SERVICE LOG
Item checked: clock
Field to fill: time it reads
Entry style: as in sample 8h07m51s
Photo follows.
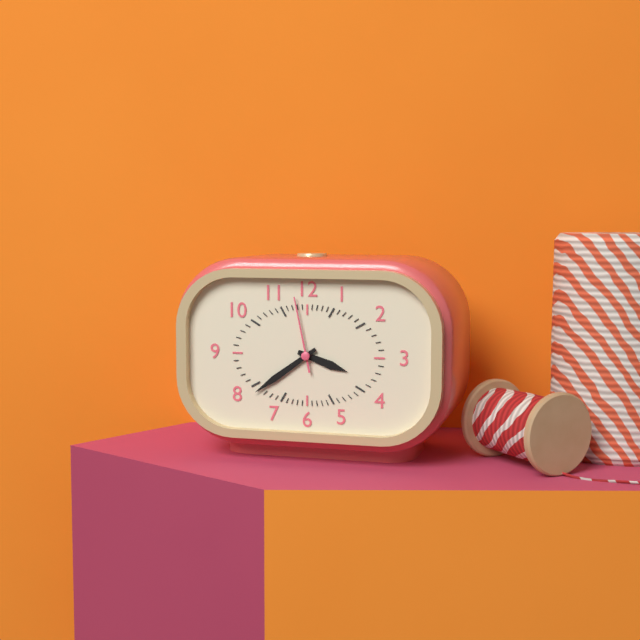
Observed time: 3h39m58s
